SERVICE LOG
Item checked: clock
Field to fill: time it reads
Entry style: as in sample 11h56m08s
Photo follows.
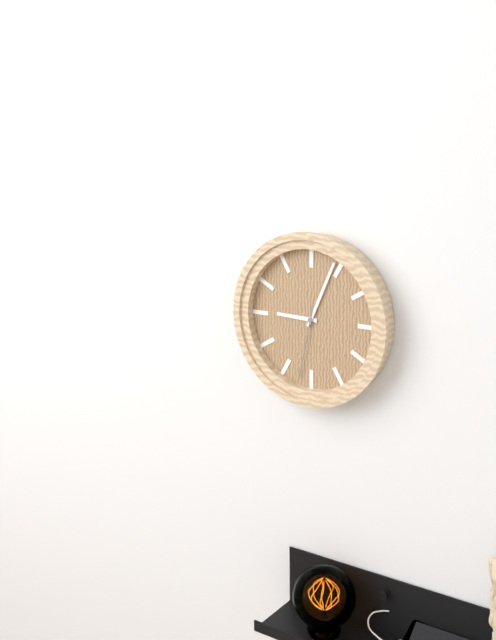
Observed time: 9h04m32s
